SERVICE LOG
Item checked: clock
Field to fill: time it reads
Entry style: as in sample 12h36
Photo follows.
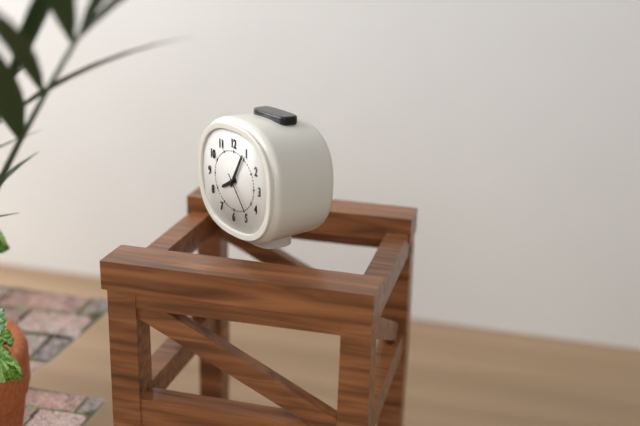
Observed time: 8h05
